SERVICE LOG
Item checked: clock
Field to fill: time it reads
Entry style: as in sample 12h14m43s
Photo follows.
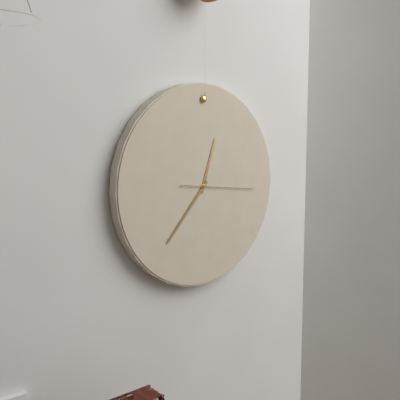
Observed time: 12h37m16s
